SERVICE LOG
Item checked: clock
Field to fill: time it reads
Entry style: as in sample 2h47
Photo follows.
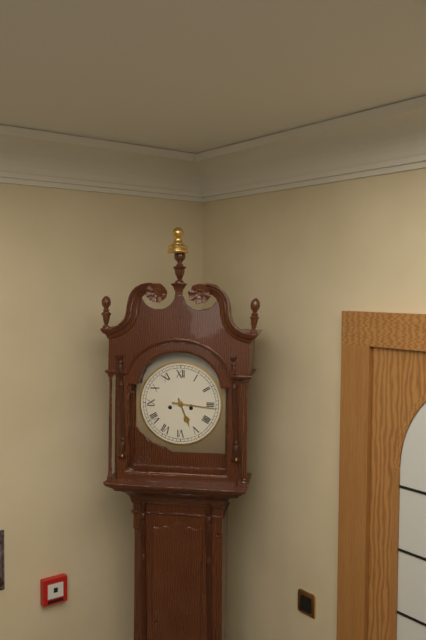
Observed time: 5h16
